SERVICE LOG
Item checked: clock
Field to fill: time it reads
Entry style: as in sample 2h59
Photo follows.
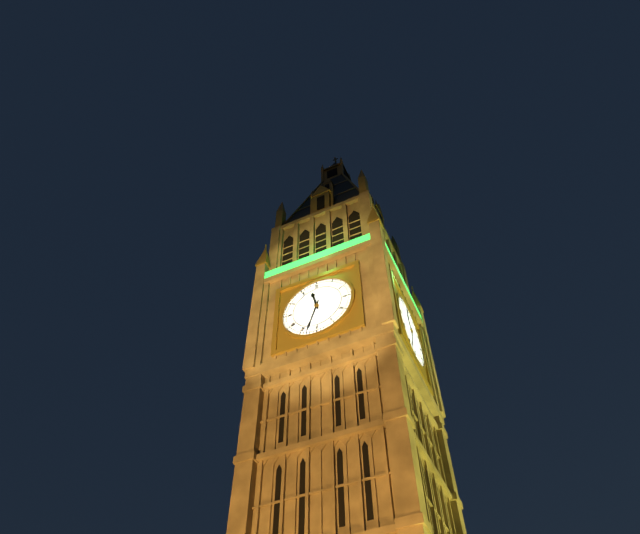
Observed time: 11h33
